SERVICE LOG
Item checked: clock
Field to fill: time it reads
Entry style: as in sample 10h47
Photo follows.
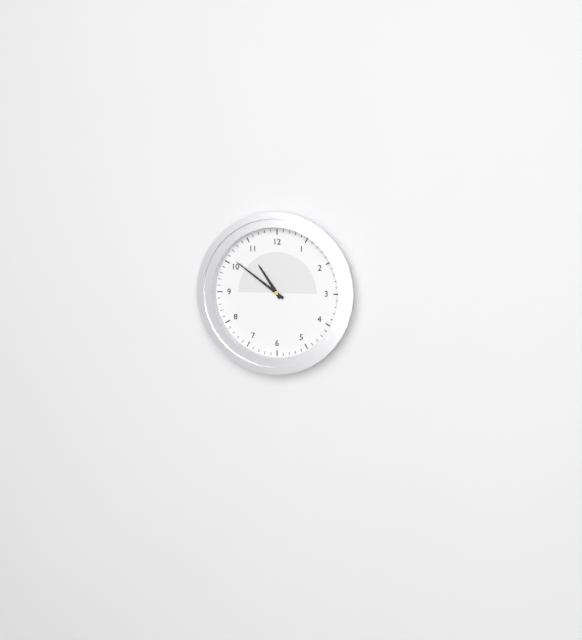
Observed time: 10h51
